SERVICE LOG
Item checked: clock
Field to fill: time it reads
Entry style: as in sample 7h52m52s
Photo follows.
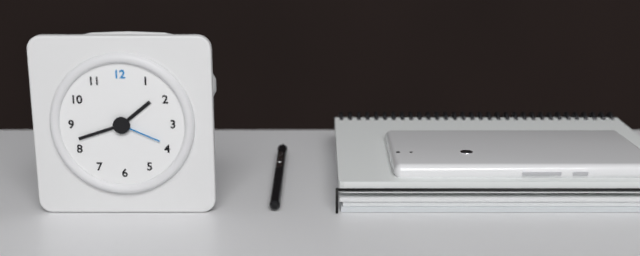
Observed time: 1h42m19s
